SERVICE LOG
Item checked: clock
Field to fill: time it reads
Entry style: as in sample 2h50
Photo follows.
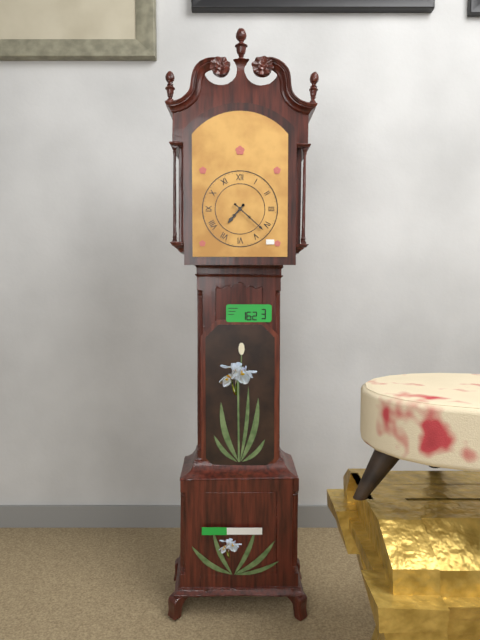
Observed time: 7h22
